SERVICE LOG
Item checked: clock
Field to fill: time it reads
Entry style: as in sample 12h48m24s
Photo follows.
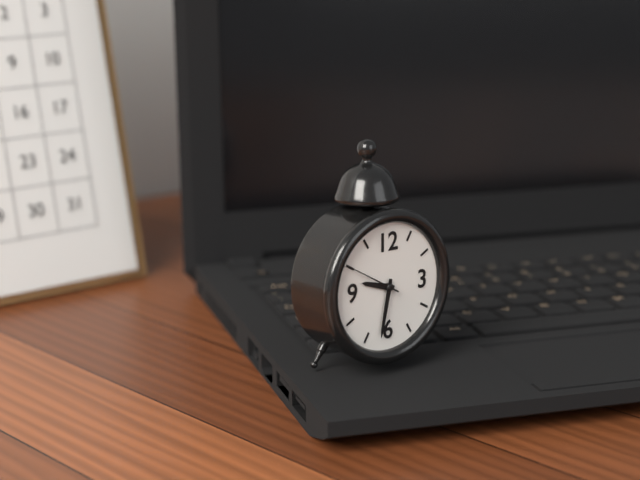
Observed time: 9h32m50s
